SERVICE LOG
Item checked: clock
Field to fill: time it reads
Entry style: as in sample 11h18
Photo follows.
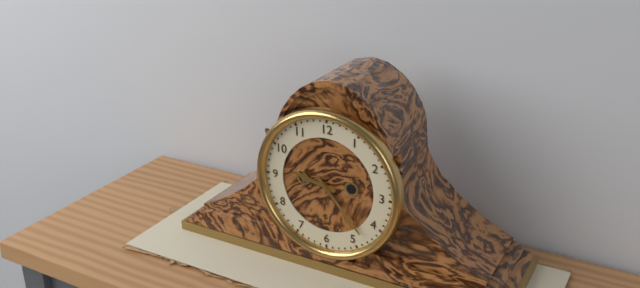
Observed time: 9h23
